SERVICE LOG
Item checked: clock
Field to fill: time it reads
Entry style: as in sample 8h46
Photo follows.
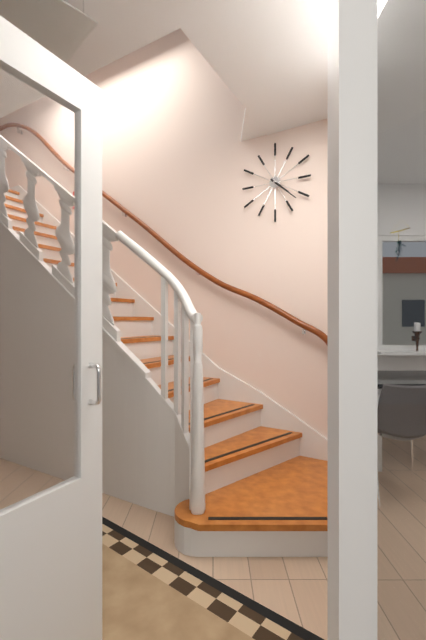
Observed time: 4h22
